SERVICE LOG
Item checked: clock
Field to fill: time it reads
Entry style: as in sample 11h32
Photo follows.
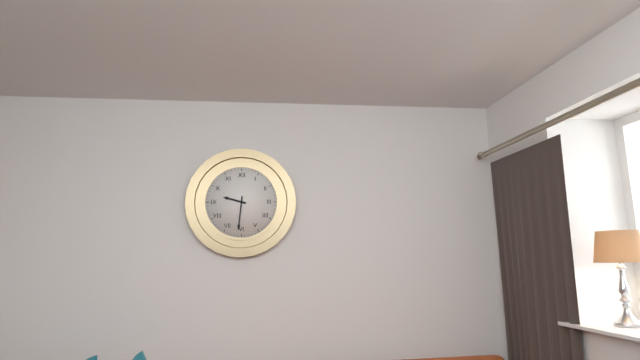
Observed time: 9h31
